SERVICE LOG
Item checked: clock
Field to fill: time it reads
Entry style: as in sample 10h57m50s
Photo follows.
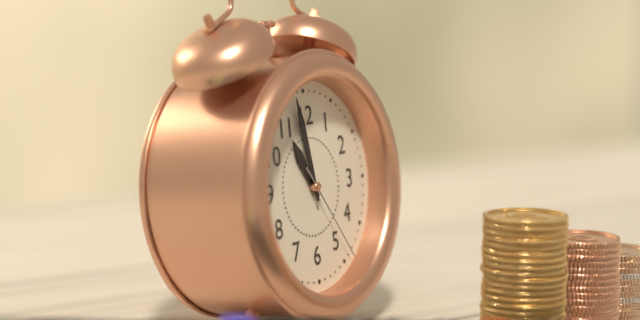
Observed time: 10h58m24s
